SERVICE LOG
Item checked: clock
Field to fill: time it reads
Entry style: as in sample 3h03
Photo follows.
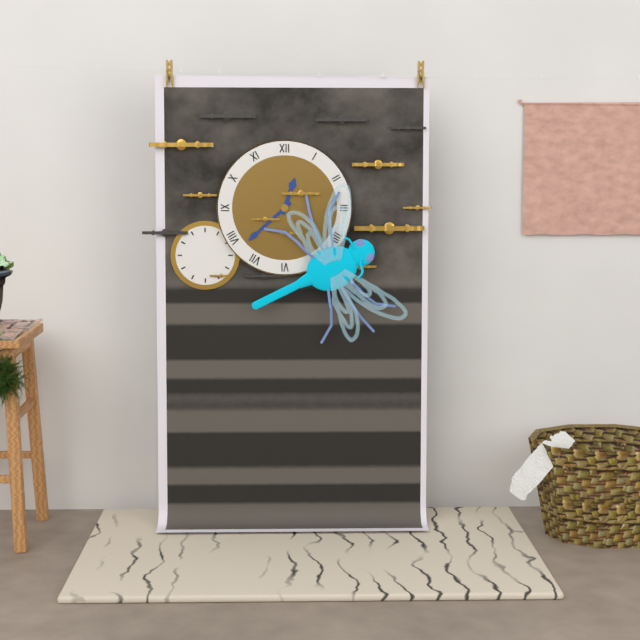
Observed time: 12h38
